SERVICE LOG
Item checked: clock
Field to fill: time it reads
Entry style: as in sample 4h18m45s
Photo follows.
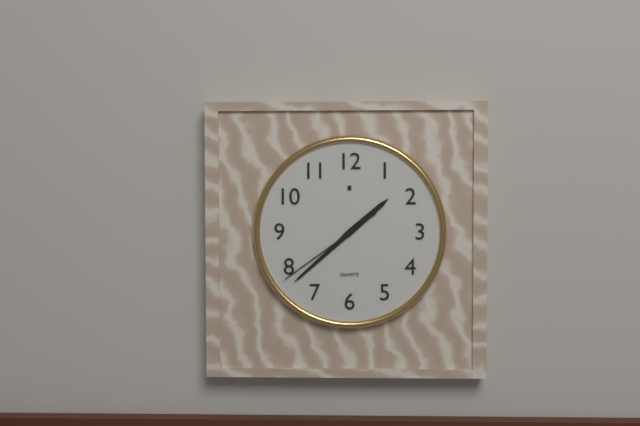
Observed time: 1h38m39s
